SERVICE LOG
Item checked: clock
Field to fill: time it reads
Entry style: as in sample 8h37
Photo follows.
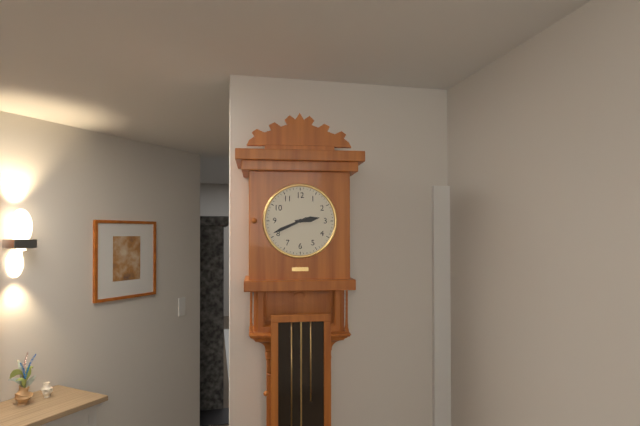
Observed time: 2h41
